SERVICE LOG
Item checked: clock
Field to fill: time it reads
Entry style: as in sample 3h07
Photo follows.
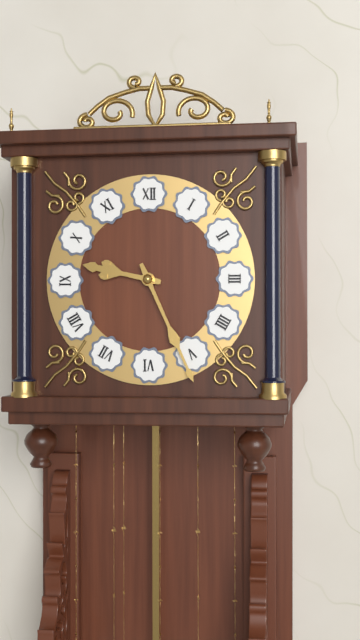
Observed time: 9h26
